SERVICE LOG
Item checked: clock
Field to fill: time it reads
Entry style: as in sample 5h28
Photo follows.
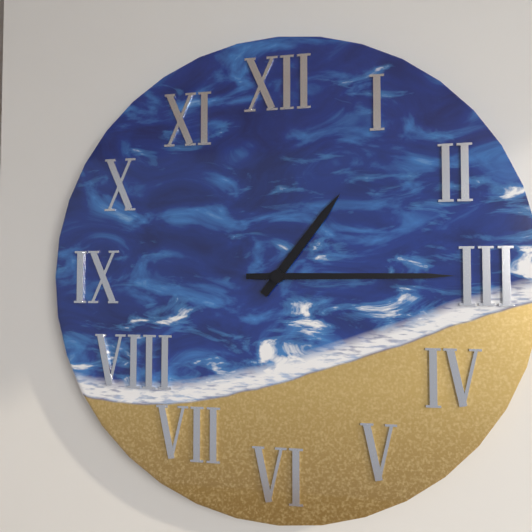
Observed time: 1h15
